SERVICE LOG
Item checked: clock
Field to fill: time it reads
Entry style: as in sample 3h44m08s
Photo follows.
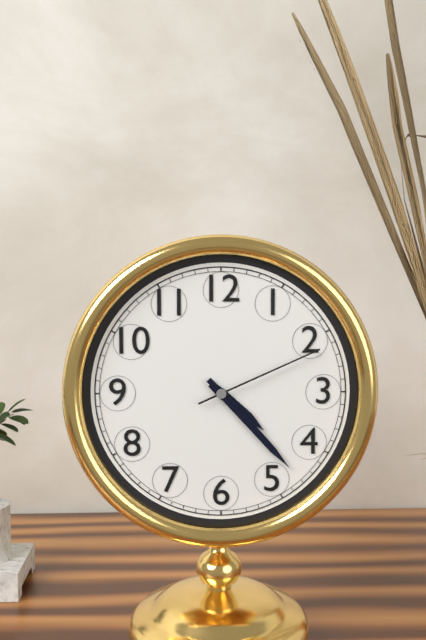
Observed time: 4h23m11s
